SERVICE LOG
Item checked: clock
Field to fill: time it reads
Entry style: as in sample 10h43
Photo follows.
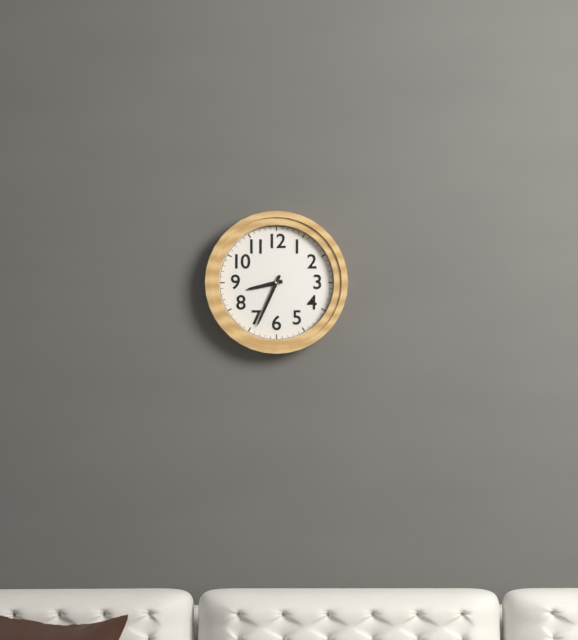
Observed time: 8h34
